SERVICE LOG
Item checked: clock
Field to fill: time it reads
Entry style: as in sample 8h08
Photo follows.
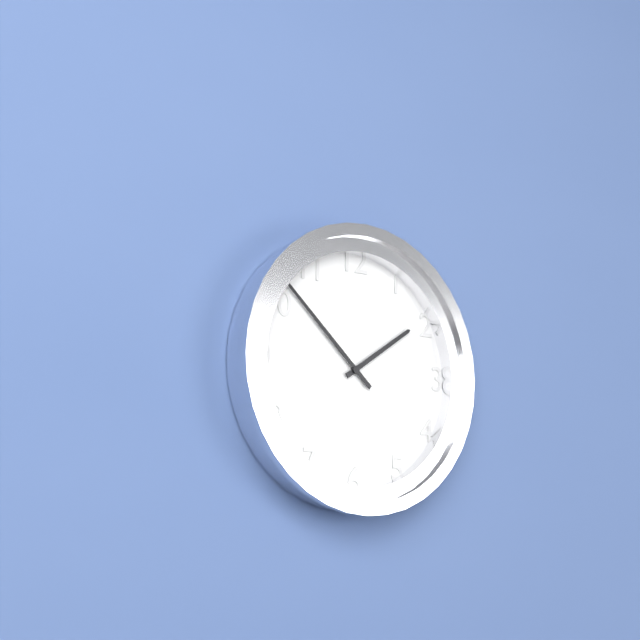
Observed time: 1h52
